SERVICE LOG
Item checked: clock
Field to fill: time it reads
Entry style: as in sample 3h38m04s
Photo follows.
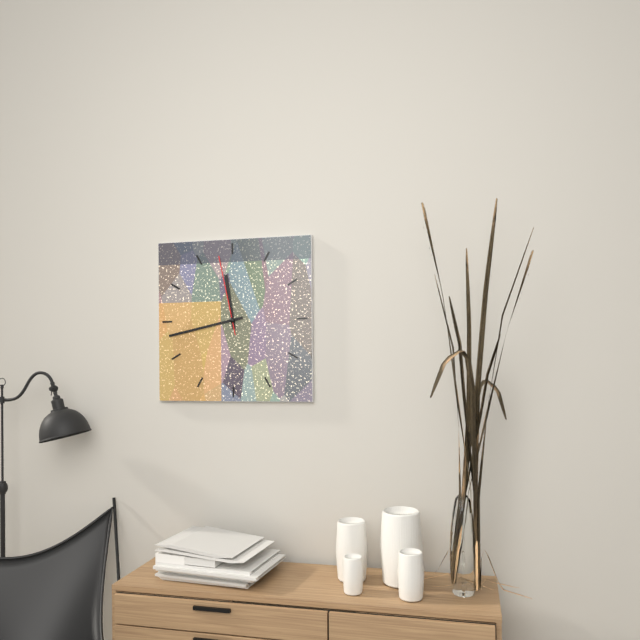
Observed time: 11h43m58s
